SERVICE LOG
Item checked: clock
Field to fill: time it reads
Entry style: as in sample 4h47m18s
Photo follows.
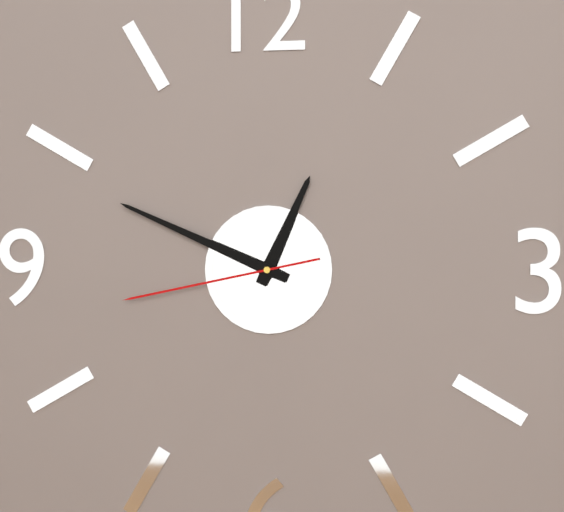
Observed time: 12h49m43s
